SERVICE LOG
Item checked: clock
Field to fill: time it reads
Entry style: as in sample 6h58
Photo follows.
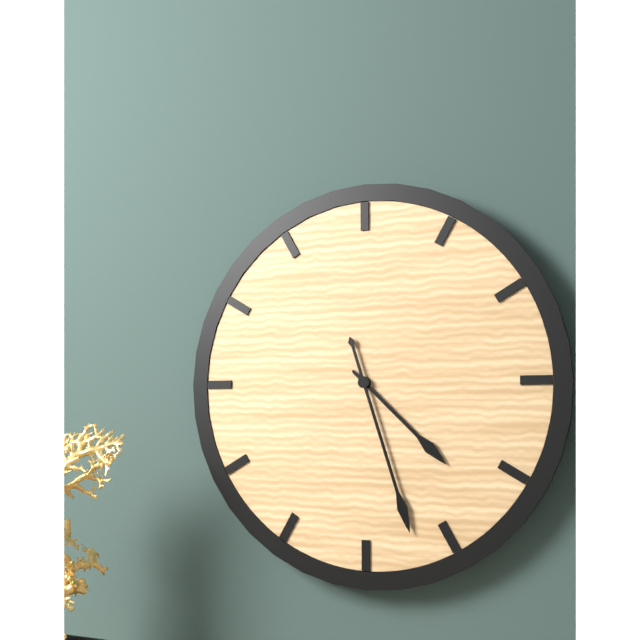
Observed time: 4h27
